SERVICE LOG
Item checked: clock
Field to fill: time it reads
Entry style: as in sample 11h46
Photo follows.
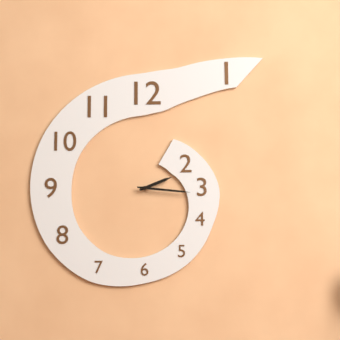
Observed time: 2h16
